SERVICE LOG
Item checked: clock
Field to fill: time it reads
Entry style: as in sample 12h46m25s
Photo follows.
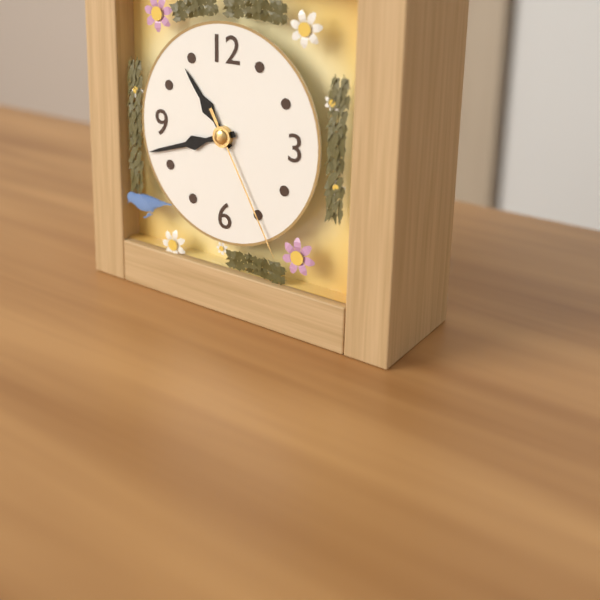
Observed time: 10h42m25s
